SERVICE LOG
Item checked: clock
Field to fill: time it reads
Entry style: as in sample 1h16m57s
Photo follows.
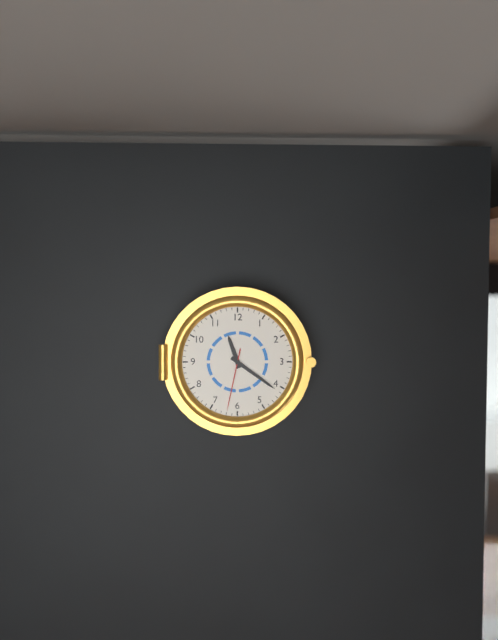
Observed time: 11h21m32s
